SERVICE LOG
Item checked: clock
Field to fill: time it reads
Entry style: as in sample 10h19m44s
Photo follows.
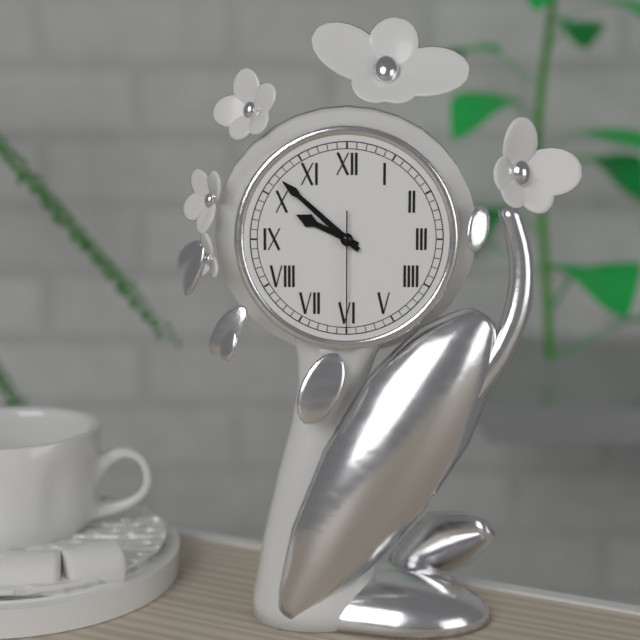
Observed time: 9h52m30s
